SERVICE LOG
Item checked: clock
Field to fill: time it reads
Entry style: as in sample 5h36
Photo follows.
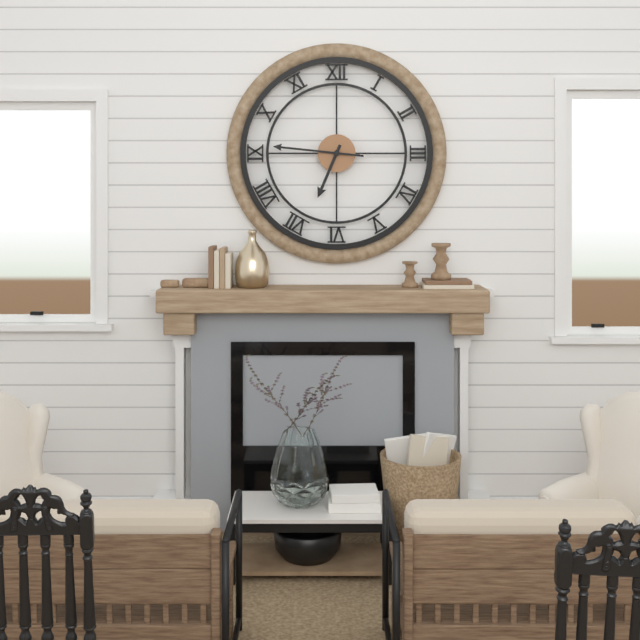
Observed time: 6h46
